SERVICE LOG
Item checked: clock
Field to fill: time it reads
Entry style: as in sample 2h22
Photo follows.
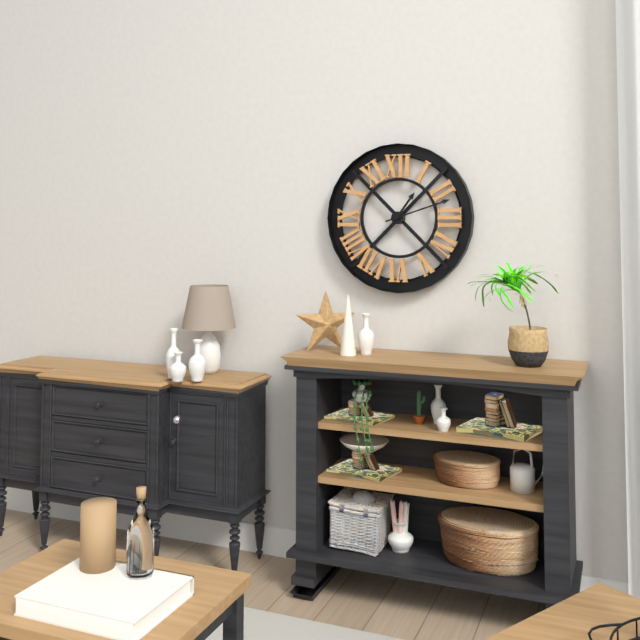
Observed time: 1h12
